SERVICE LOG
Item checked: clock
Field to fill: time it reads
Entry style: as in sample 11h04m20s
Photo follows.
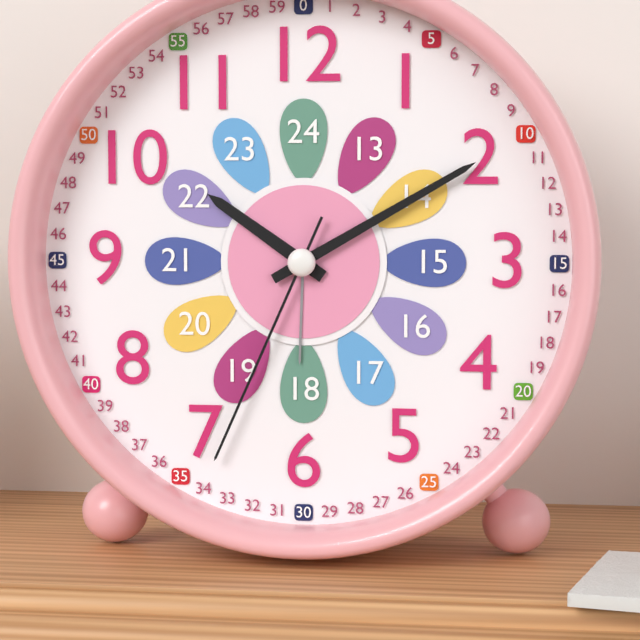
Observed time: 10h10m34s
